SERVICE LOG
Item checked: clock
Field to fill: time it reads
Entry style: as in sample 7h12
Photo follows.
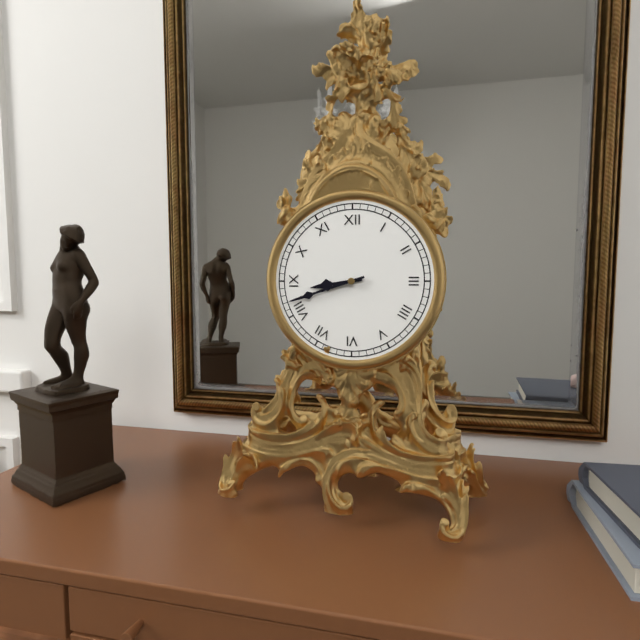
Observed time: 8h42
